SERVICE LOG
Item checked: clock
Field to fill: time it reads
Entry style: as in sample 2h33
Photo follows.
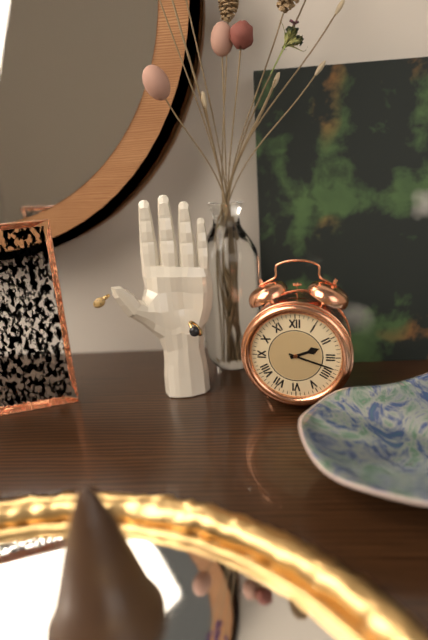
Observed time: 2h18
